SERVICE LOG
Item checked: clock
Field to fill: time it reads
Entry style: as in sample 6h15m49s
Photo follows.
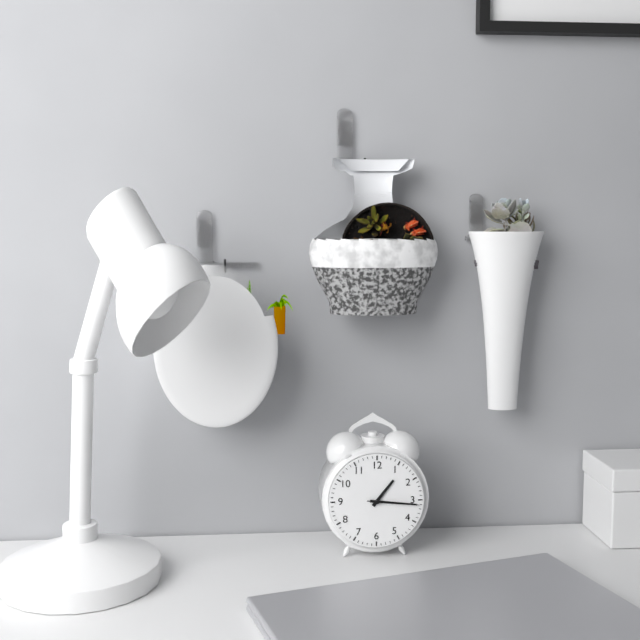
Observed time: 1h16m16s
